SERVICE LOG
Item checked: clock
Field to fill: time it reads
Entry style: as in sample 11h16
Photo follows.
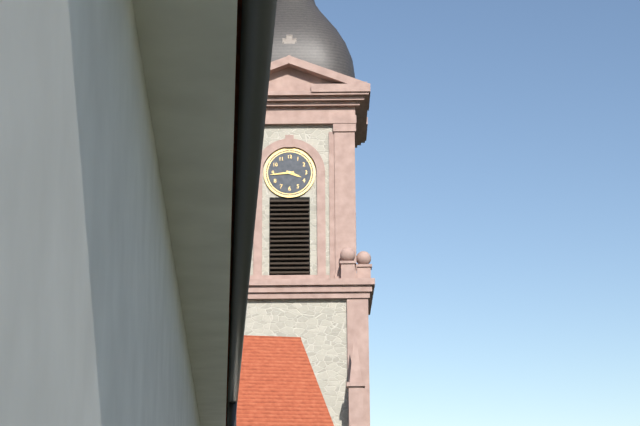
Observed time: 3h44
